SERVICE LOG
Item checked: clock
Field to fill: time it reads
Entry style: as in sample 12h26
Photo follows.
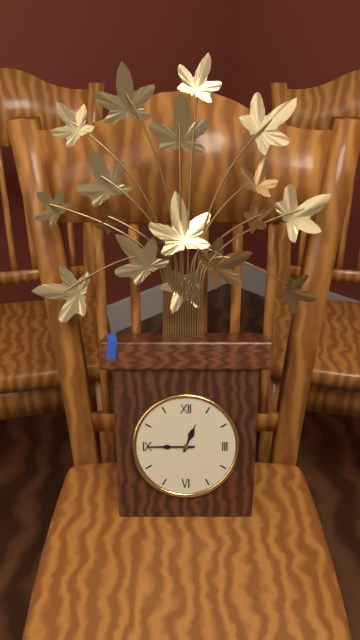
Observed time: 12h45
